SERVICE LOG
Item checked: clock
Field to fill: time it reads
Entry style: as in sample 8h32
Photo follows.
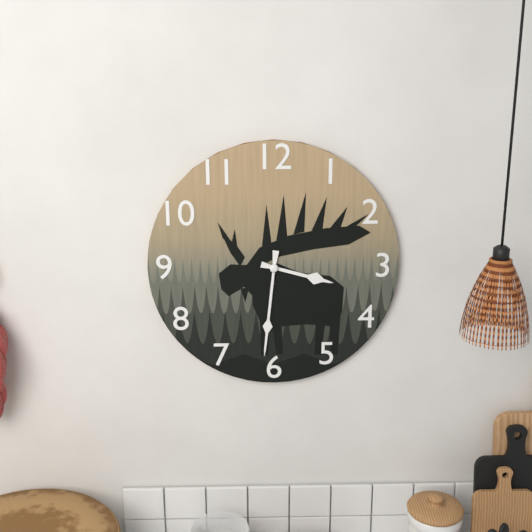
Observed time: 3h31
